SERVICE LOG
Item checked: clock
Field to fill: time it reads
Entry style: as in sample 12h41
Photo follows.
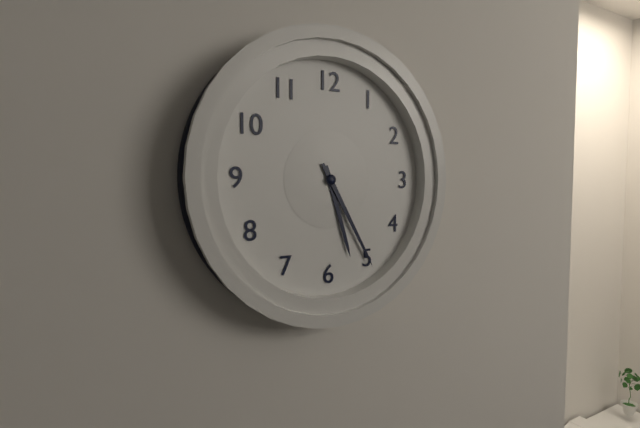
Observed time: 5h25
